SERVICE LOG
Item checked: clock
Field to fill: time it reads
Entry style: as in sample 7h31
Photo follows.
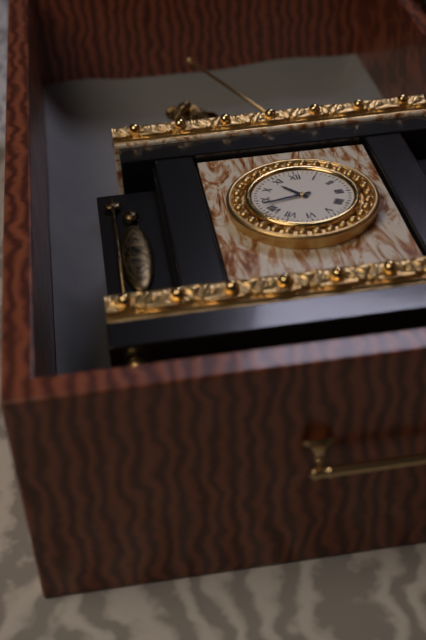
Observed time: 10h43
